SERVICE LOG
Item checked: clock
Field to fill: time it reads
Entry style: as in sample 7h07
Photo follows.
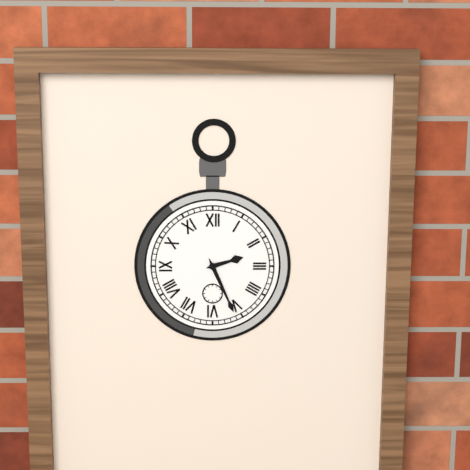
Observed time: 2h26
